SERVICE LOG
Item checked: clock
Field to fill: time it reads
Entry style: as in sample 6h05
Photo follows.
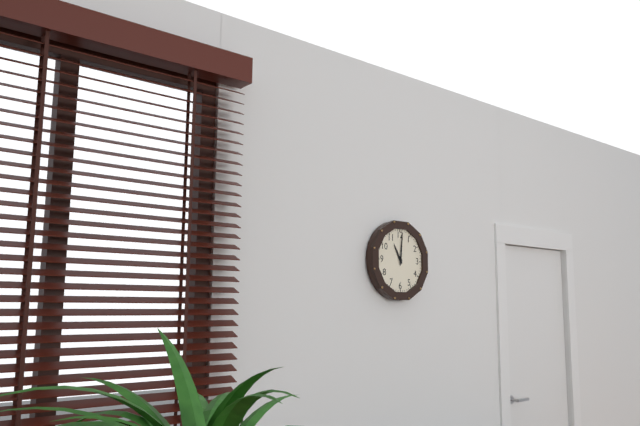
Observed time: 11h01
